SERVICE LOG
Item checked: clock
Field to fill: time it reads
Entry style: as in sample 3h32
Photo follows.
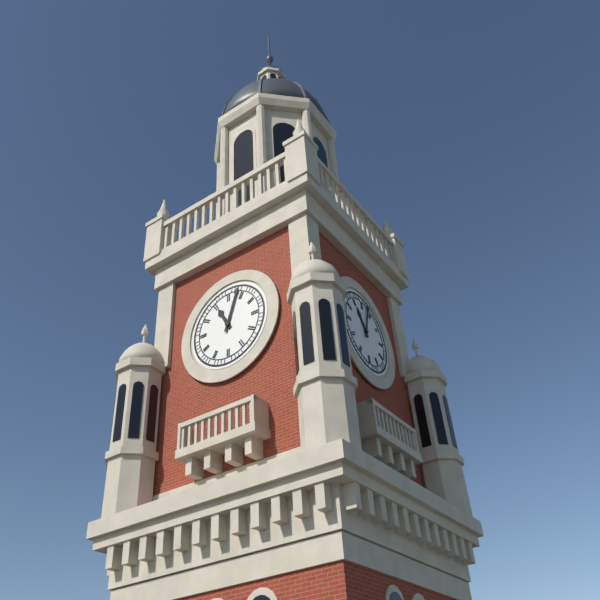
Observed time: 11h03
